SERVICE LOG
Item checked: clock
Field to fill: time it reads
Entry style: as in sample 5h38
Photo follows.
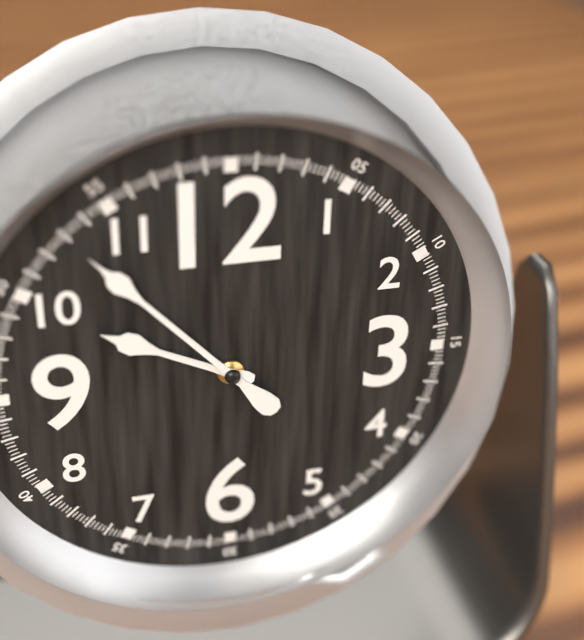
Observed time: 9h53
